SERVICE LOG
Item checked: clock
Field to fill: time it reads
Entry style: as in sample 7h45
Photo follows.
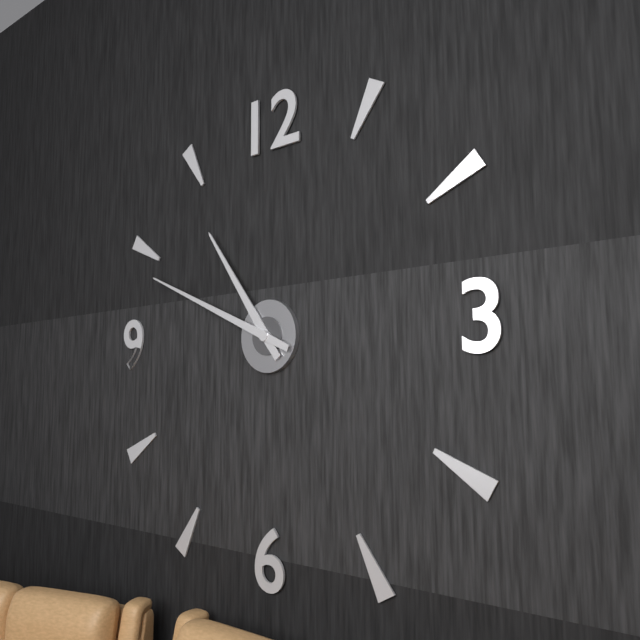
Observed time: 10h49
